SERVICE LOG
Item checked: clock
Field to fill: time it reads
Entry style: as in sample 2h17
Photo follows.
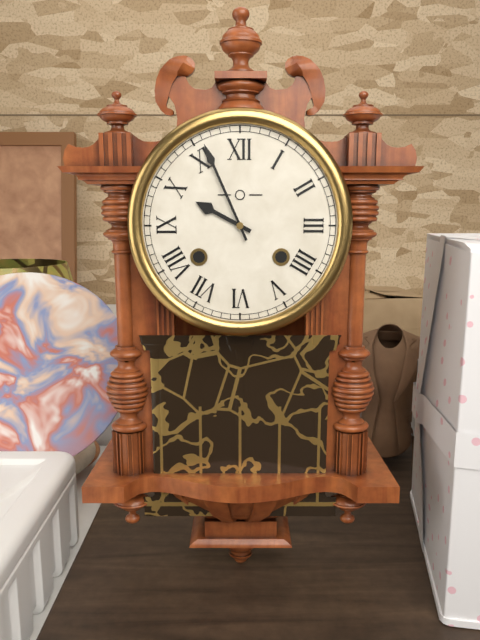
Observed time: 9h56
